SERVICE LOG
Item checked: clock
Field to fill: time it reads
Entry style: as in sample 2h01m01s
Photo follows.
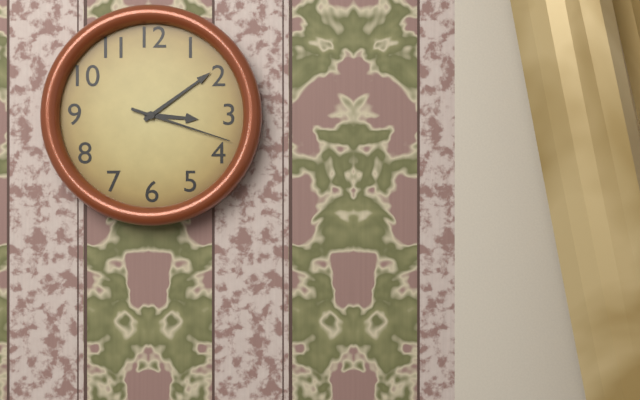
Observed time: 3h09m18s
